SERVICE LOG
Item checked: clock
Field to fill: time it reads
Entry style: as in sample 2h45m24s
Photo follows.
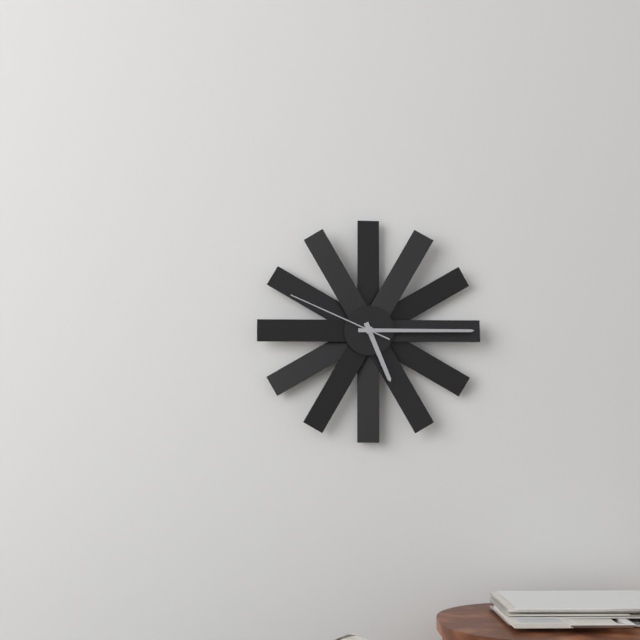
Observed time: 5h15m49s
